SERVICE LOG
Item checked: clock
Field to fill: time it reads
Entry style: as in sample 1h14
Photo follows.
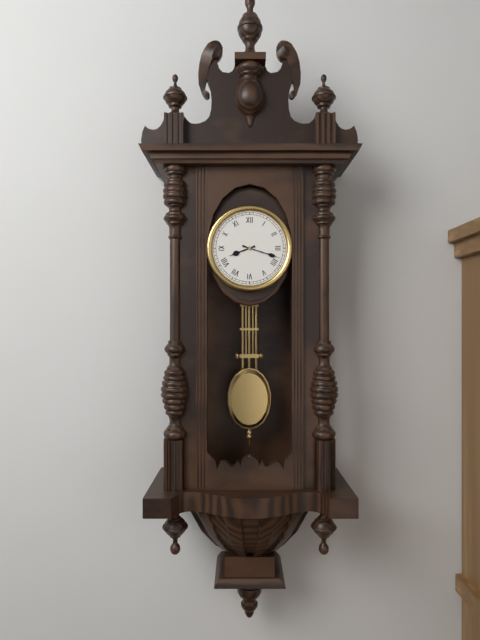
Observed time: 8h18
